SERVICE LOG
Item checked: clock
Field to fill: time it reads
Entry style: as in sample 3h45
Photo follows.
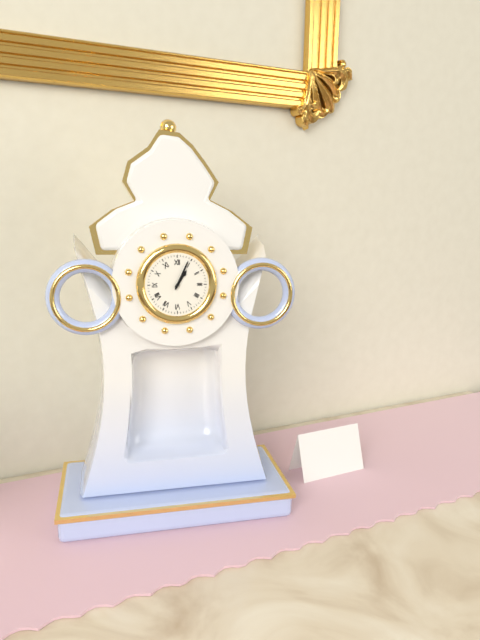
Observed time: 1h04
